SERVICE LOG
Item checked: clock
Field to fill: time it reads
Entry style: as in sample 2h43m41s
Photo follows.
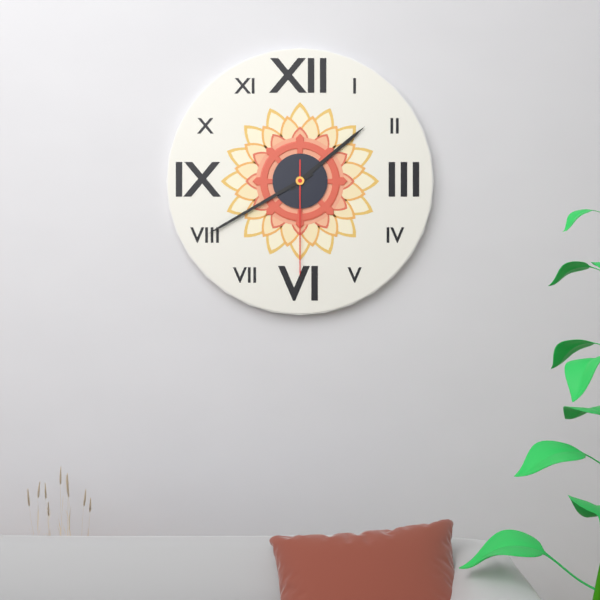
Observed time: 1h40m30s
